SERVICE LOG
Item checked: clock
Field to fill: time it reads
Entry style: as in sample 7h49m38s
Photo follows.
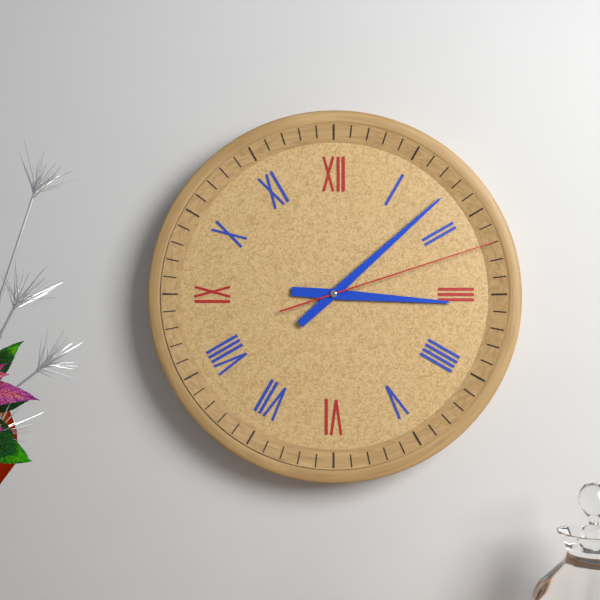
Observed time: 3h08m12s
